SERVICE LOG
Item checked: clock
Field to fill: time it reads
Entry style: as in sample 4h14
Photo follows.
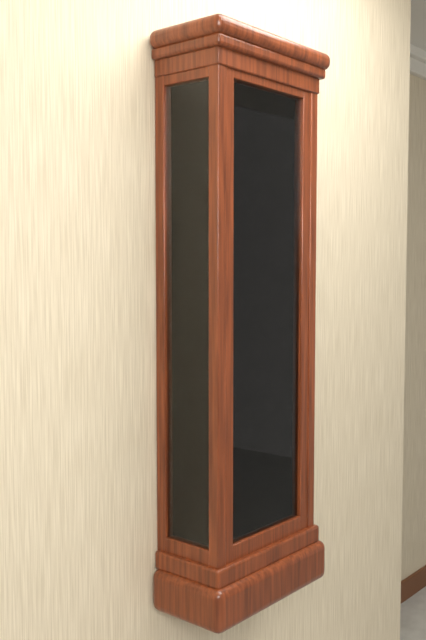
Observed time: 10h34
